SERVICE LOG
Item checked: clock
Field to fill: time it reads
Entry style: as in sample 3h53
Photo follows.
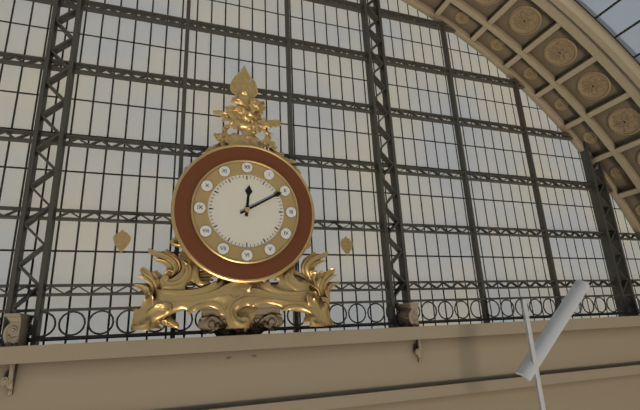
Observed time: 12h10
